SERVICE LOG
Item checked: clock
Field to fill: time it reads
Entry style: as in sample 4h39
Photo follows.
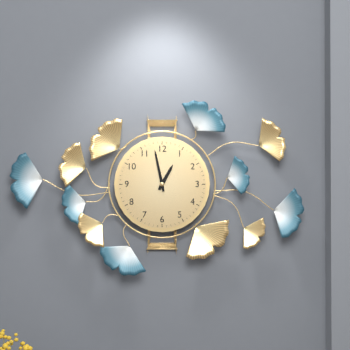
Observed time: 12h58
